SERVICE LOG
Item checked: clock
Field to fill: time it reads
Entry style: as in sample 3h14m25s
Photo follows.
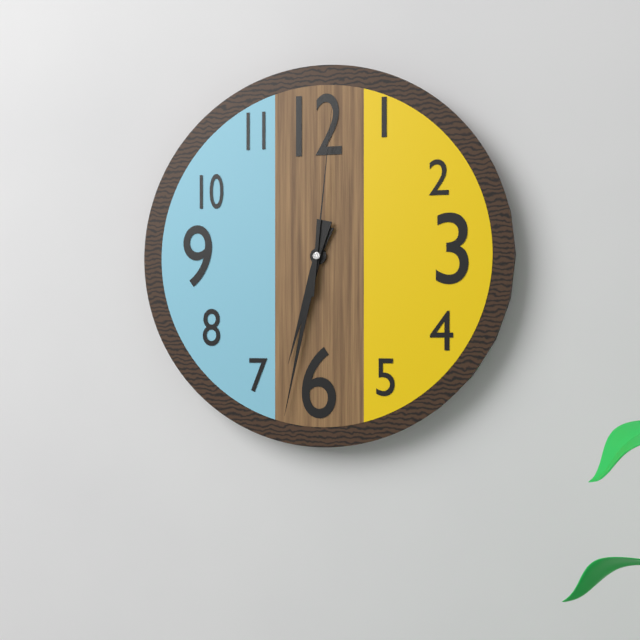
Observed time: 6h32m01s
